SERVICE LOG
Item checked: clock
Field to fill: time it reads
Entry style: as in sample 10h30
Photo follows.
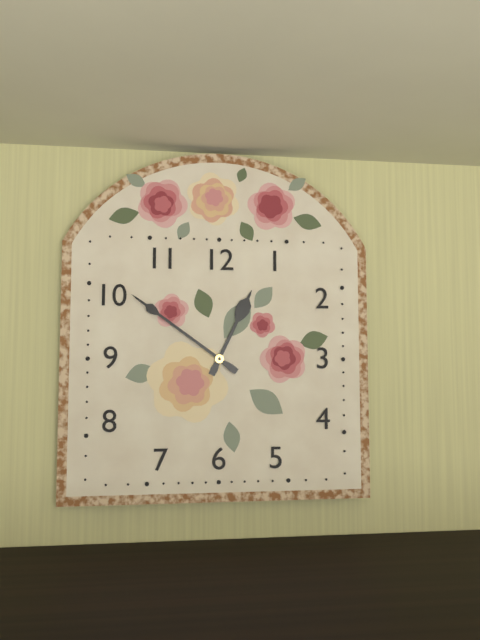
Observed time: 12h51
